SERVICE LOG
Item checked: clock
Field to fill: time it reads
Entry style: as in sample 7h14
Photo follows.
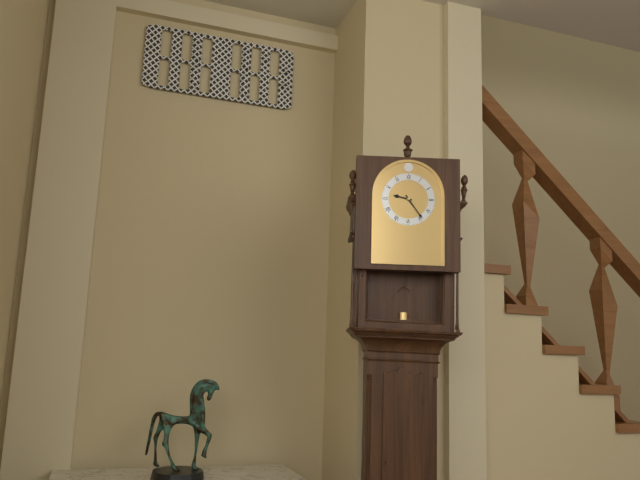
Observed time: 9h24
